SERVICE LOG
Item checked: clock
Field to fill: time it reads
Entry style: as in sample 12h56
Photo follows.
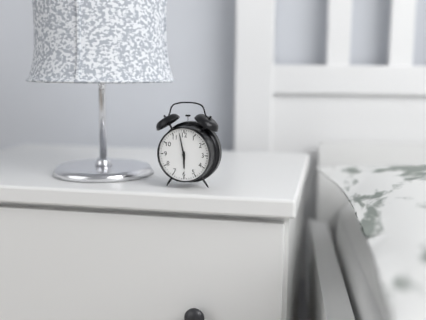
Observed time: 5h58
